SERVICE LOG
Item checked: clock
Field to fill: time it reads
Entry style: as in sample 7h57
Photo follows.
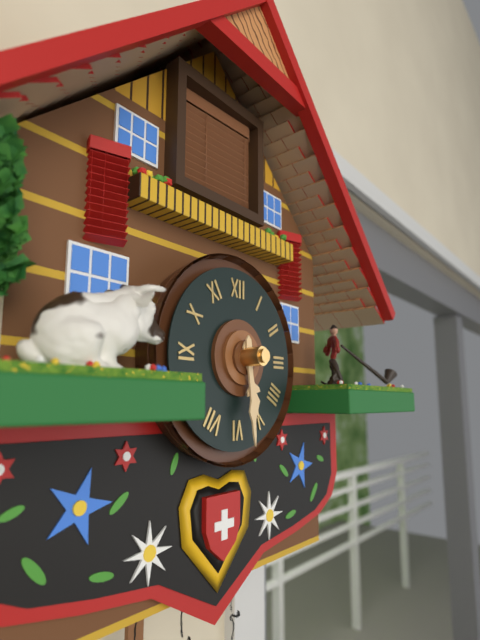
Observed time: 5h29
